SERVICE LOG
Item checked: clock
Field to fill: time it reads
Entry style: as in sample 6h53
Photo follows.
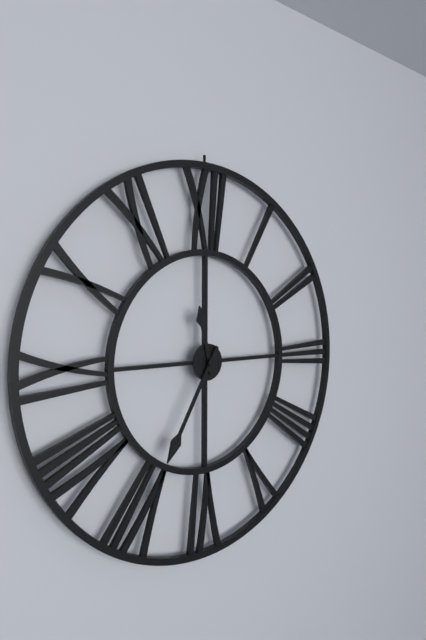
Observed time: 11h35
